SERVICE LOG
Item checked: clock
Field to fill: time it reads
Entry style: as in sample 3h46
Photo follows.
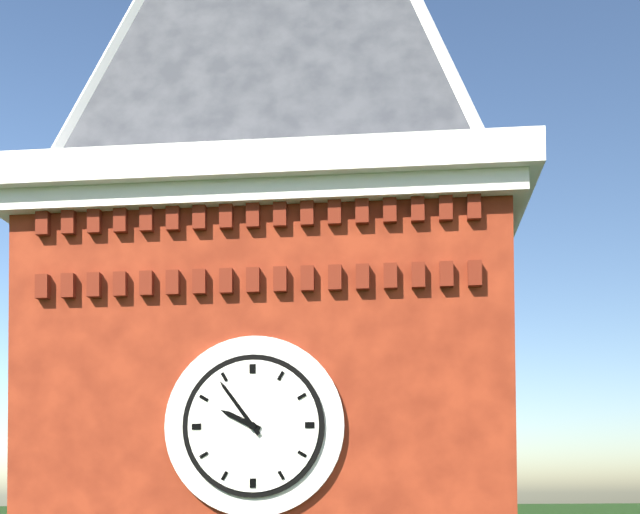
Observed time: 9h54
